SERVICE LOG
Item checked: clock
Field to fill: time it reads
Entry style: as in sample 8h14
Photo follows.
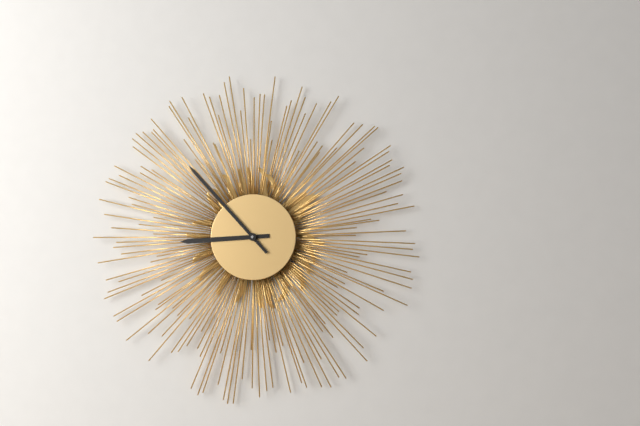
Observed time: 8h53
